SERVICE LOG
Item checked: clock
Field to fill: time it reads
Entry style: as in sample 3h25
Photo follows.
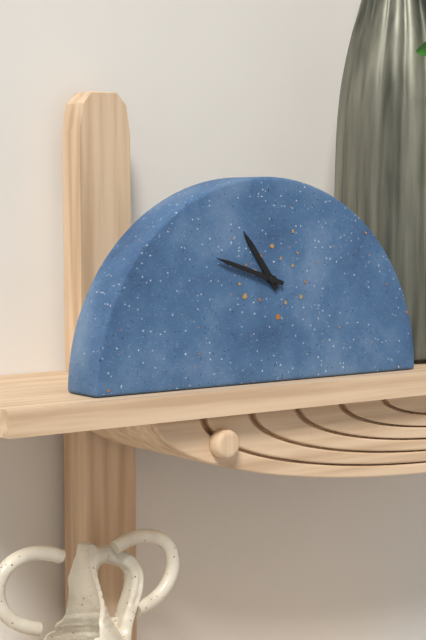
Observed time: 10h48
